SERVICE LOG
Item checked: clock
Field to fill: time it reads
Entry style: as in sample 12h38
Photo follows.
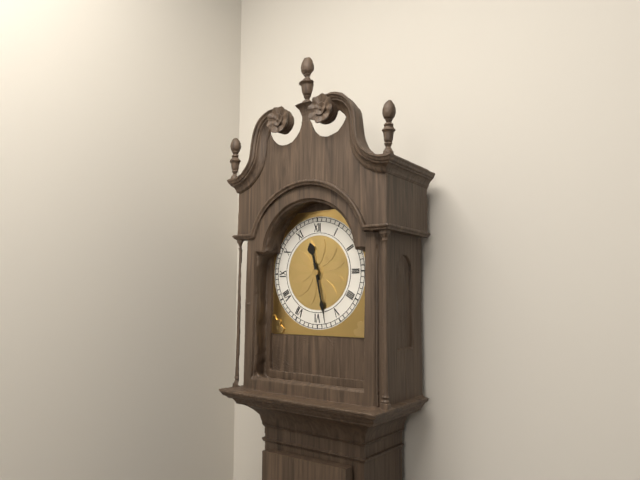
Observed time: 11h28
